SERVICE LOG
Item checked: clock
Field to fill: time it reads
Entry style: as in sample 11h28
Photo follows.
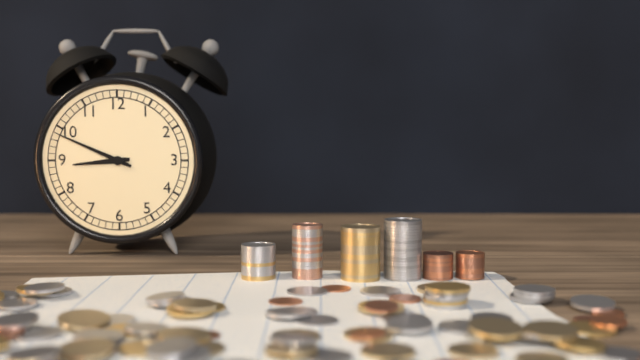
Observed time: 8h49
